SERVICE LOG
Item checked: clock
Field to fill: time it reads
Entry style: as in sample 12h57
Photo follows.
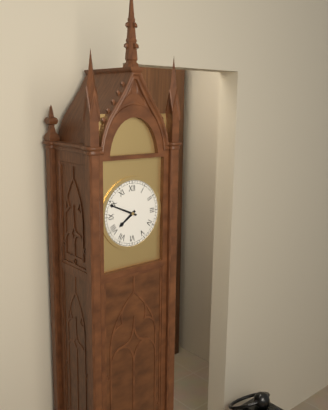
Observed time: 7h49
